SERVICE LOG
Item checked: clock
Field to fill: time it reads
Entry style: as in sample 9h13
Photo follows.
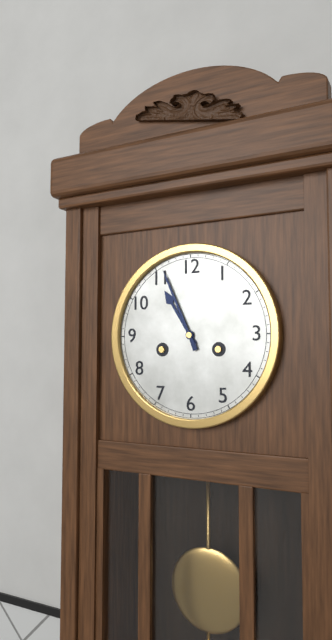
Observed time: 10h56
